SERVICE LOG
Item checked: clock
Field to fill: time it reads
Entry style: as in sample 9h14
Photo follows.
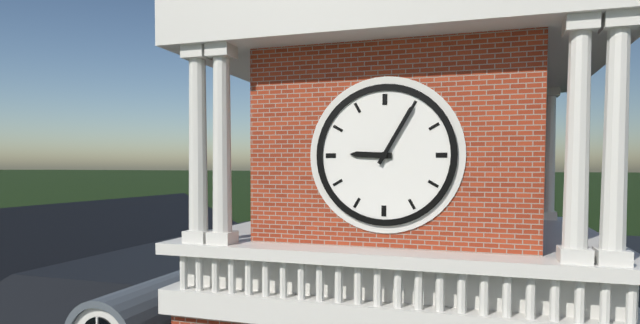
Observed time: 9h05
